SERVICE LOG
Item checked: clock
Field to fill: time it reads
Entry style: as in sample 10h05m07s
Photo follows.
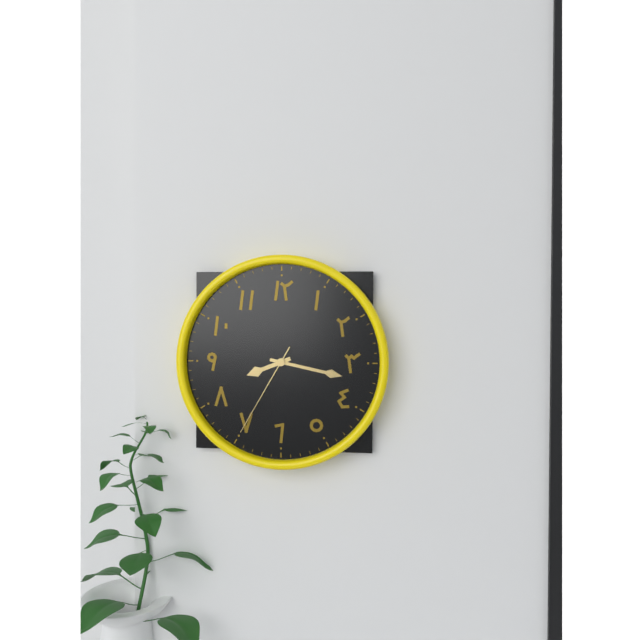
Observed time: 8h17m35s
